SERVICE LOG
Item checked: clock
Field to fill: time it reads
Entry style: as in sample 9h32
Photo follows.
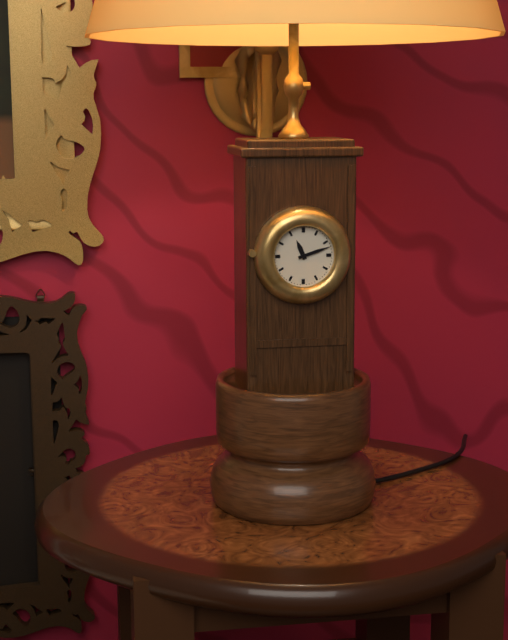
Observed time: 11h12
